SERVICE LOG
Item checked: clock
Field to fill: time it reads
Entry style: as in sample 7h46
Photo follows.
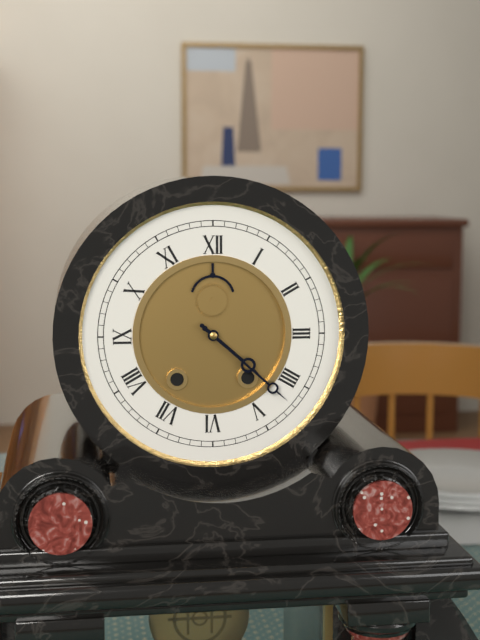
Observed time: 4h22
